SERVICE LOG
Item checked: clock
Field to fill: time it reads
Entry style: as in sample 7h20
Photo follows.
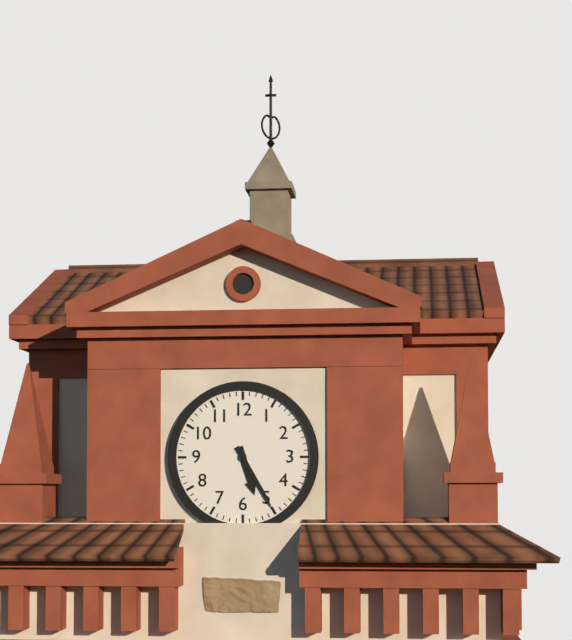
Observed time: 5h25
